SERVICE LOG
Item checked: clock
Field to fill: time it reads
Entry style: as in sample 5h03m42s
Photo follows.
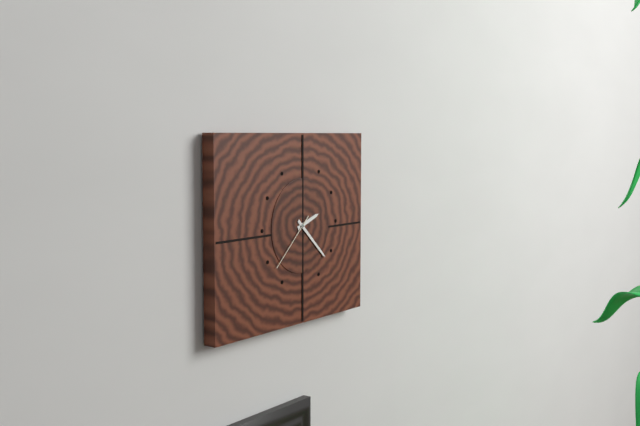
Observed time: 2h22m38s
